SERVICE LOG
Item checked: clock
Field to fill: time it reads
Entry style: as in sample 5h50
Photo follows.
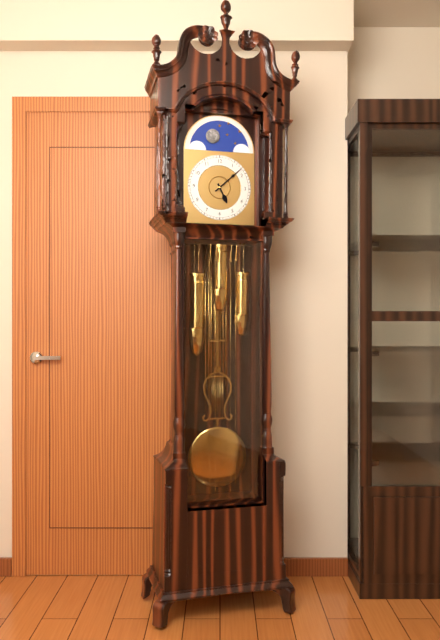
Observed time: 5h08
